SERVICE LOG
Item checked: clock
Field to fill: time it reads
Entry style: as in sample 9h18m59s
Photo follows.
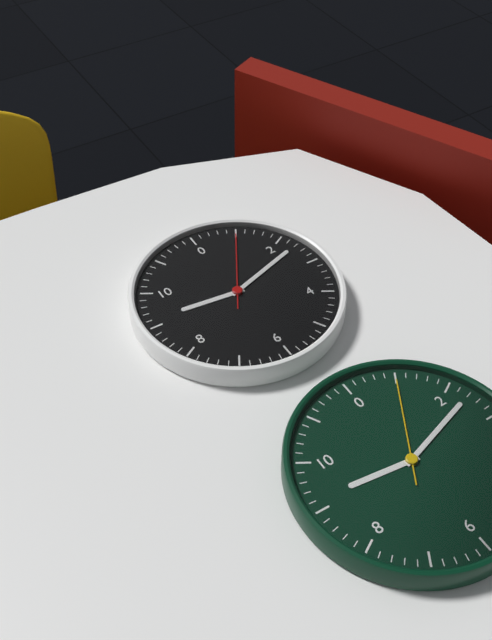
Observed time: 9h12m05s
